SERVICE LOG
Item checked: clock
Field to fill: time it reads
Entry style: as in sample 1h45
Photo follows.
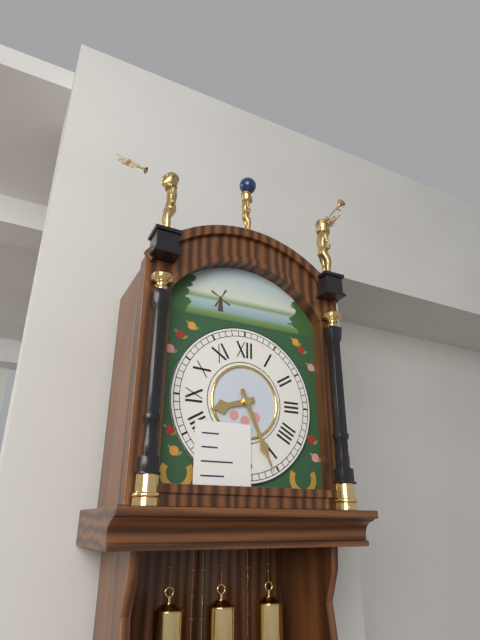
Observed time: 8h26
